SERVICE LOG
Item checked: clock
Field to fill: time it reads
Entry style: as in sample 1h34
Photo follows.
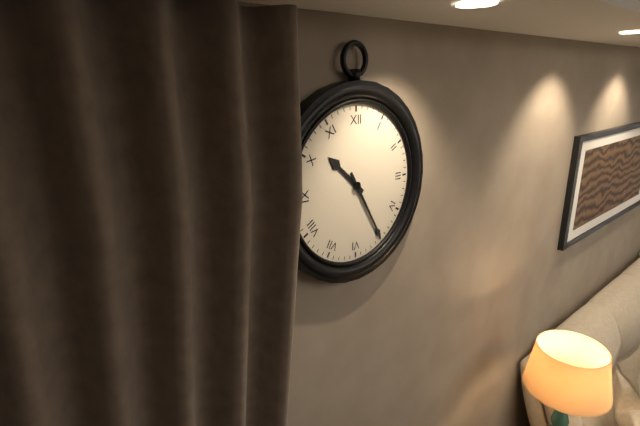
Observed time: 10h25
